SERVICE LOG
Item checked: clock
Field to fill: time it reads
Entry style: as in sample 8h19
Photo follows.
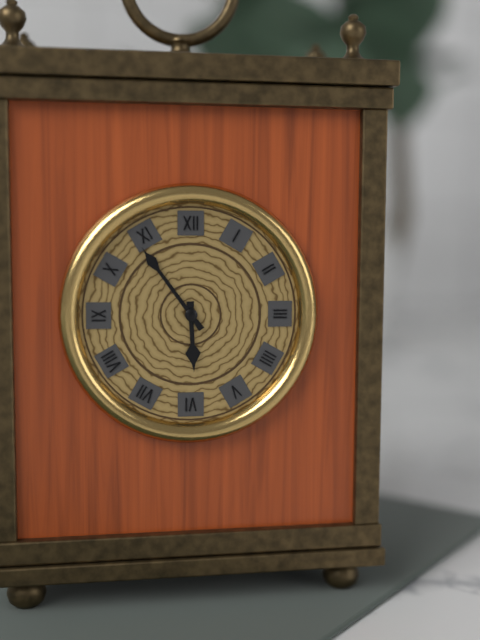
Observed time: 5h54
